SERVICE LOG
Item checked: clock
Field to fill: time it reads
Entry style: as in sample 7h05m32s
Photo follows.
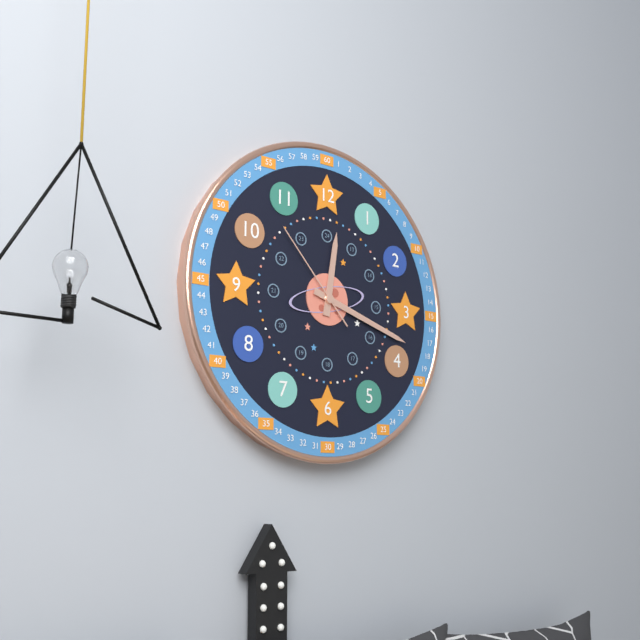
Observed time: 12h18m53s
